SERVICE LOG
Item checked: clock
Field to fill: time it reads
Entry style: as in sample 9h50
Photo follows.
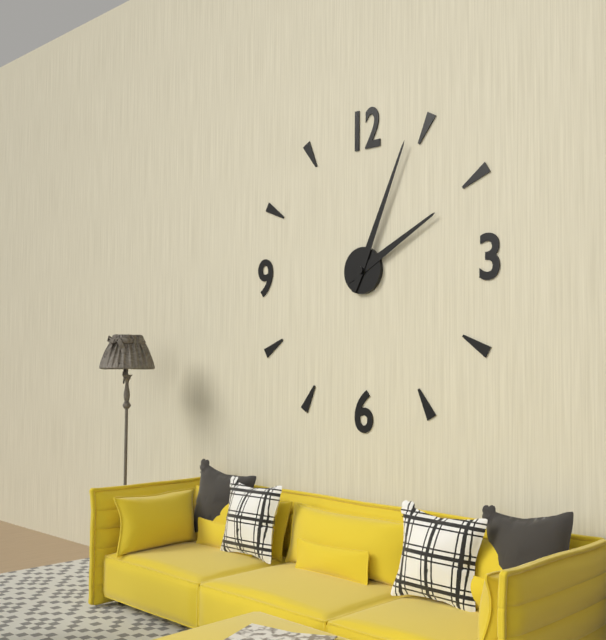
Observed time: 2h04
